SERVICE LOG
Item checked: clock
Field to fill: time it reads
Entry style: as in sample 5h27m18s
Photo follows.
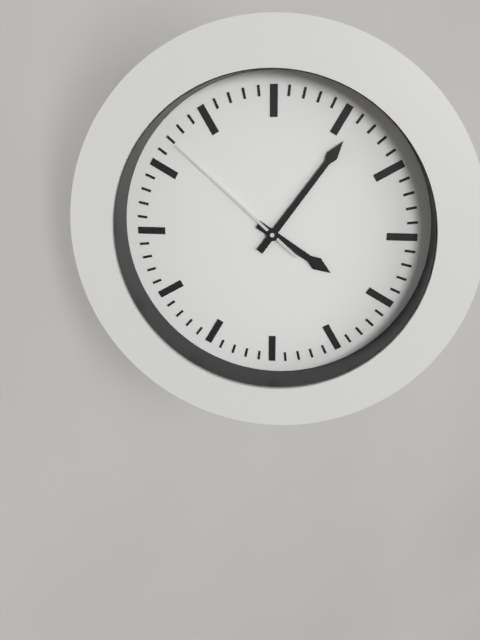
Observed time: 4h06m52s
